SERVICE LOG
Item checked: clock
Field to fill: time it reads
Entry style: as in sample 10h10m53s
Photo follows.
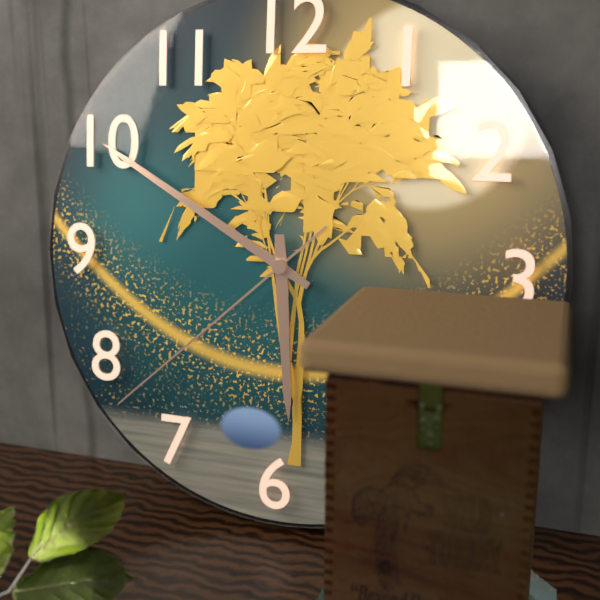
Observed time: 5h50m38s
